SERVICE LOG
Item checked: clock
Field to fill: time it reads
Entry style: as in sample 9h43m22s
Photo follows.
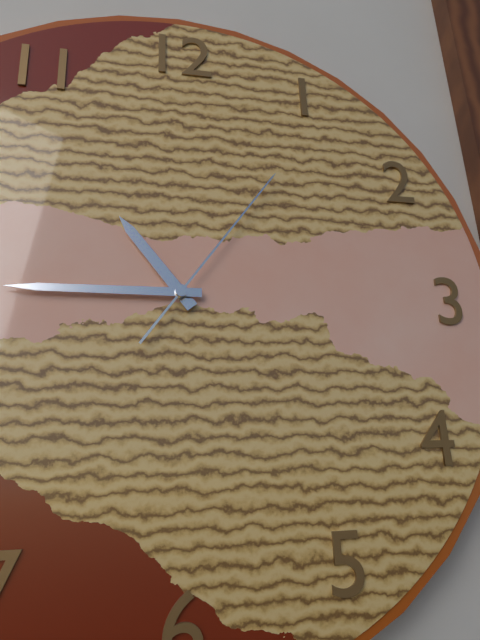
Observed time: 10h45m06s
